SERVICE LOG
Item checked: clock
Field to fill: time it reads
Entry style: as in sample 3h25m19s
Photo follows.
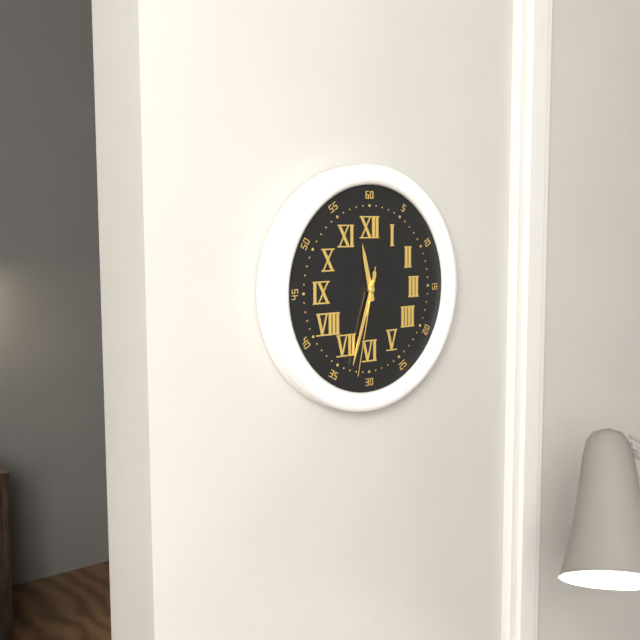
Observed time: 11h33m32s
